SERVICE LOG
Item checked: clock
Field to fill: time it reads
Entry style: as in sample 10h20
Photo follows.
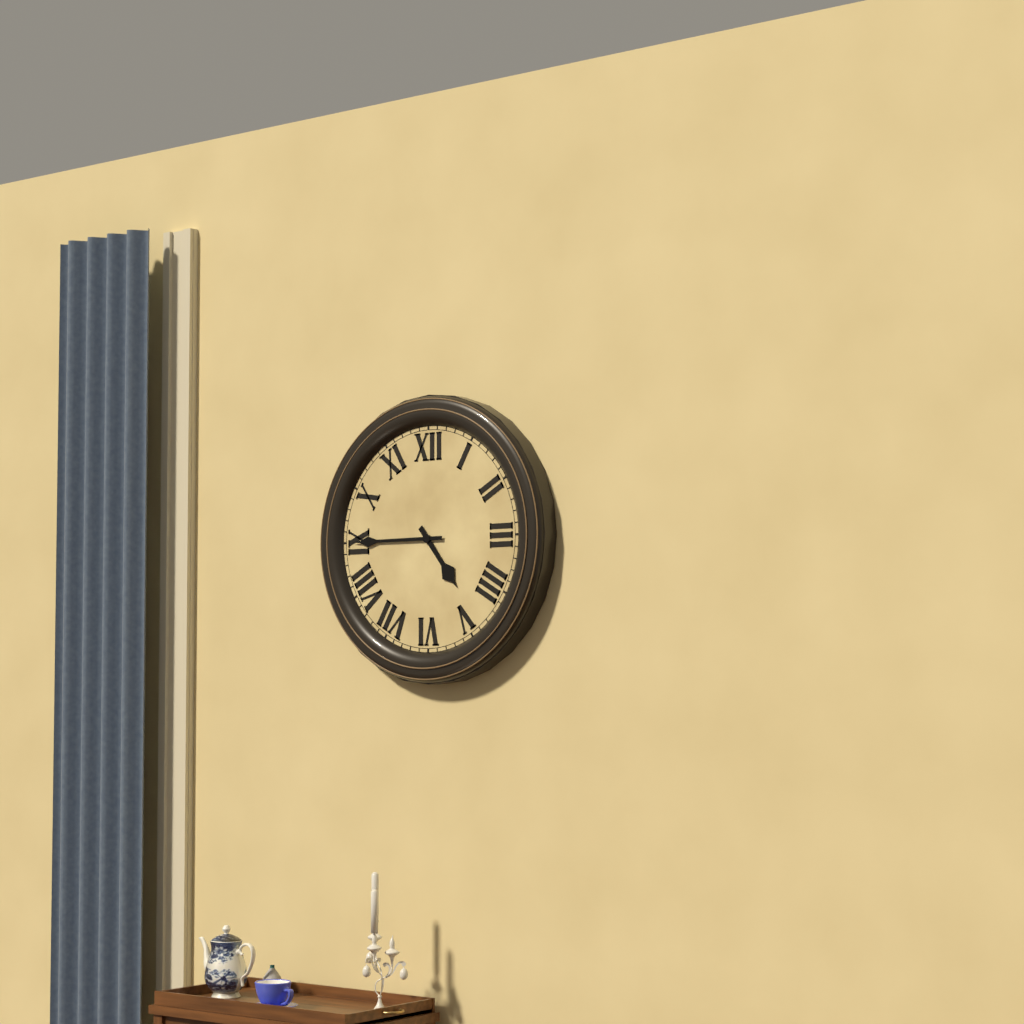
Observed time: 4h45
